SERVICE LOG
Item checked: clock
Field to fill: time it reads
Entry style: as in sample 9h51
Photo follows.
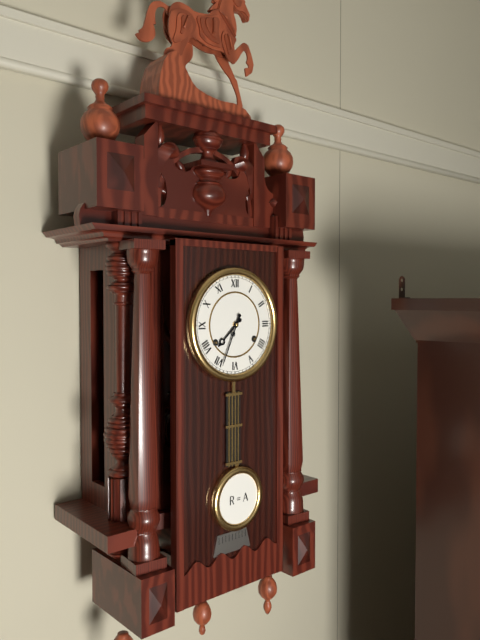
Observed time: 7h34
